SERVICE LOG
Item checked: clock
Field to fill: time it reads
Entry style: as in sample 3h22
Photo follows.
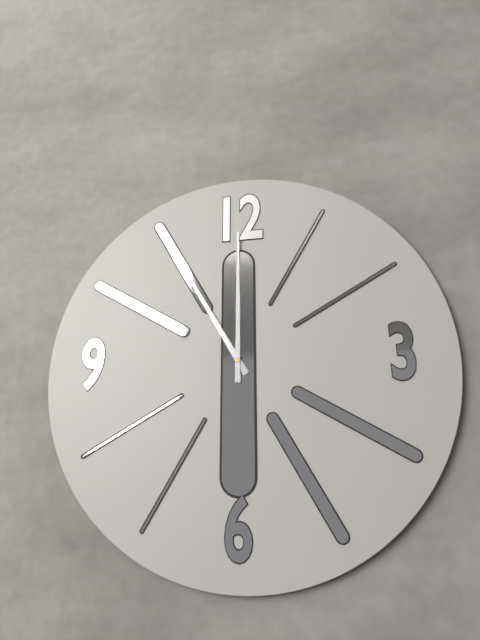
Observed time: 11h00
